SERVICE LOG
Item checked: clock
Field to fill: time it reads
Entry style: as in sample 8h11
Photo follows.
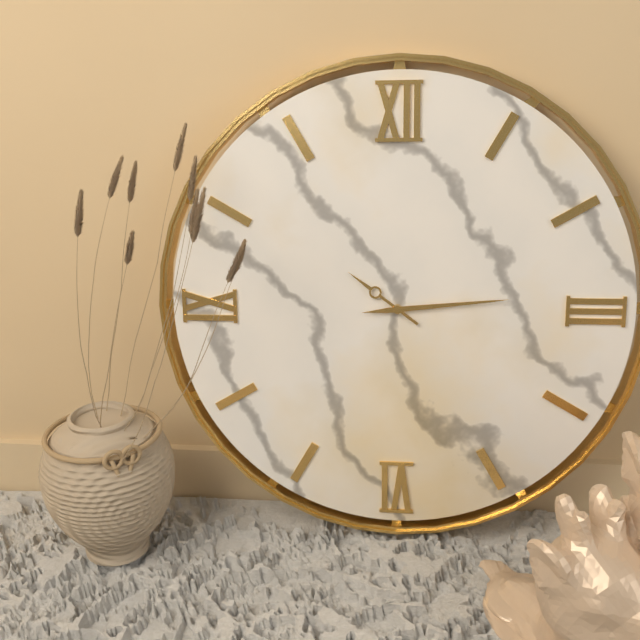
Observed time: 10h14
